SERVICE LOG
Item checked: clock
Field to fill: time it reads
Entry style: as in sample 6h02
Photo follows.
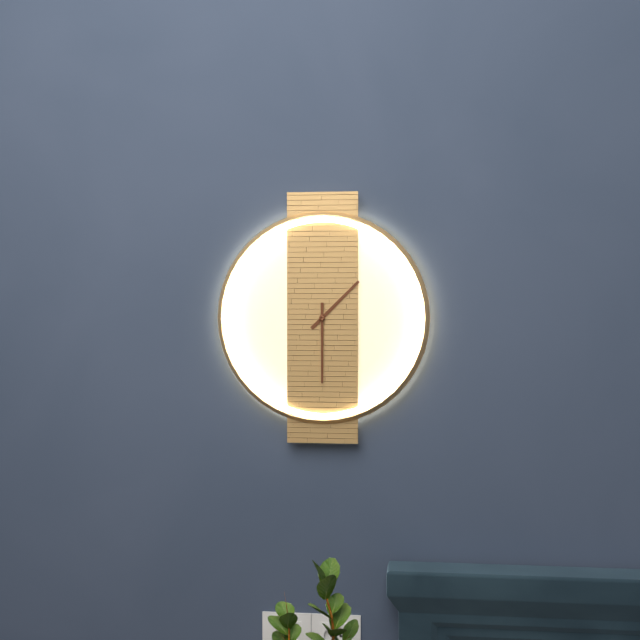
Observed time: 1h30
